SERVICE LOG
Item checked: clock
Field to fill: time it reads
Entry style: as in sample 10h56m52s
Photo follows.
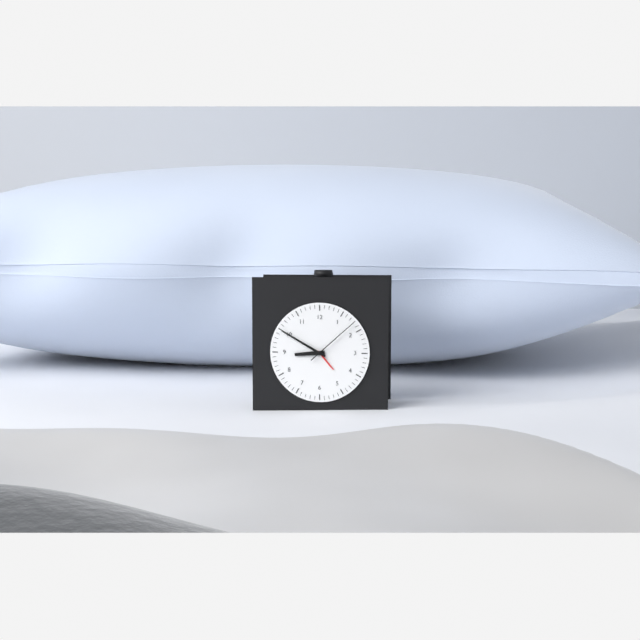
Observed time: 8h50m08s
